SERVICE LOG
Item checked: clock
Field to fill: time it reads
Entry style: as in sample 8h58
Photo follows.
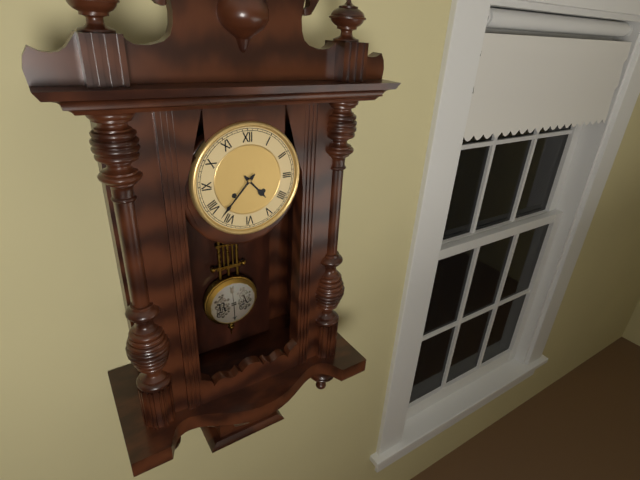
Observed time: 4h37
